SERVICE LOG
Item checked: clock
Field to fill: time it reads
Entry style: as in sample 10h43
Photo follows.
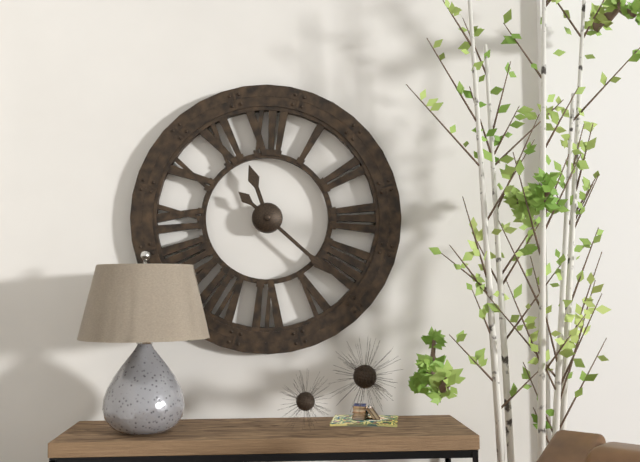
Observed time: 11h22
